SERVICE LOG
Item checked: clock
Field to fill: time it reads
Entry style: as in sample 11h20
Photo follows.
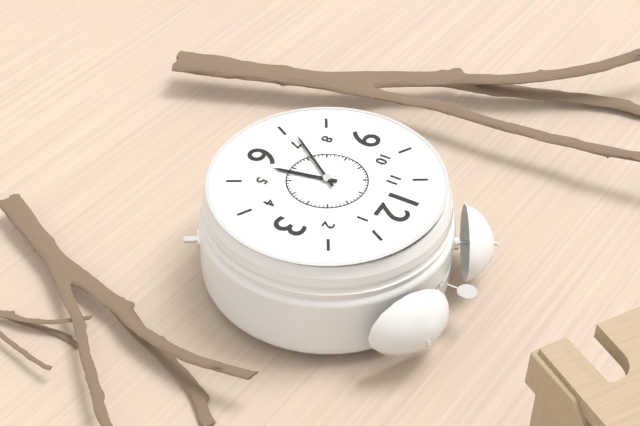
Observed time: 5h36
